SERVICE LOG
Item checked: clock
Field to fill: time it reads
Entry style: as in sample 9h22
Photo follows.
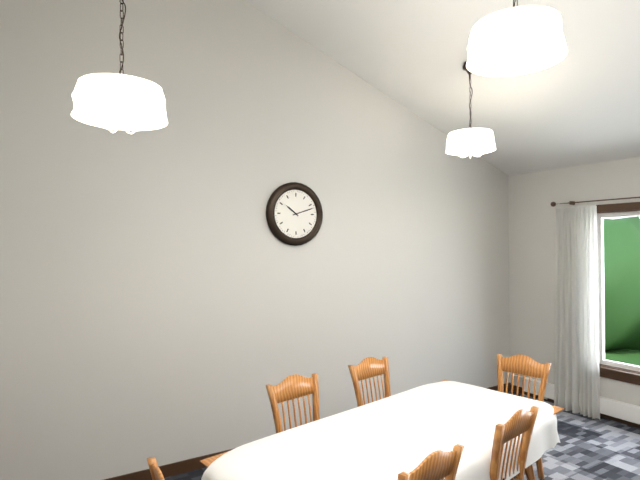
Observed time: 10h12
